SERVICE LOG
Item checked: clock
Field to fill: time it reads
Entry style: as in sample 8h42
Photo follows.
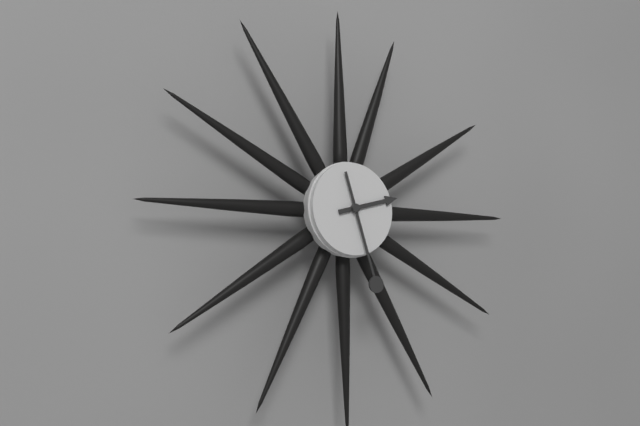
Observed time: 2h27
